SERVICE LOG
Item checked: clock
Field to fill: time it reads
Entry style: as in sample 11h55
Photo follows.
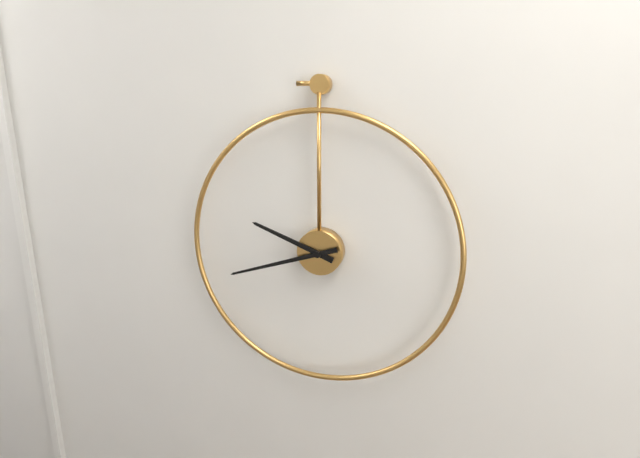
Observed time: 9h42
